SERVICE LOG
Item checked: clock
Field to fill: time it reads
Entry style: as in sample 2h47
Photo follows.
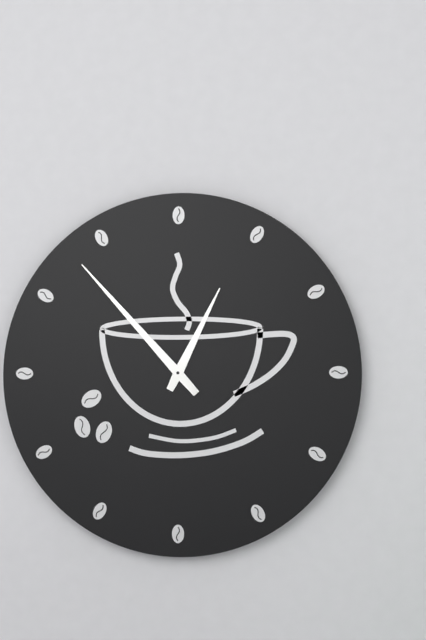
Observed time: 12h53
